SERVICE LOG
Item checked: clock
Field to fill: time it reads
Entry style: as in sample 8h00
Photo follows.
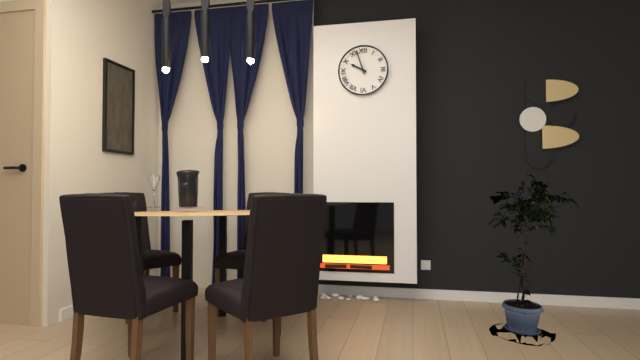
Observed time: 9h57
